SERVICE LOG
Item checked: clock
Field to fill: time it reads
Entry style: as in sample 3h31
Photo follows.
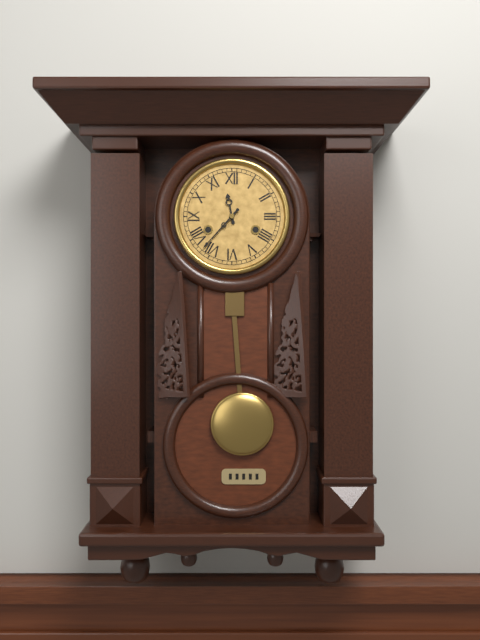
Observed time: 11h37
